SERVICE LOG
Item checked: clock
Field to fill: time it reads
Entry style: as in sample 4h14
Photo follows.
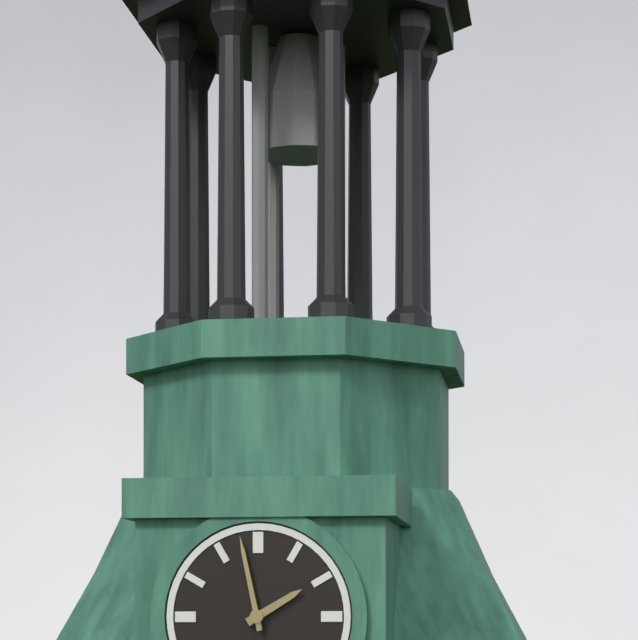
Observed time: 1h58
